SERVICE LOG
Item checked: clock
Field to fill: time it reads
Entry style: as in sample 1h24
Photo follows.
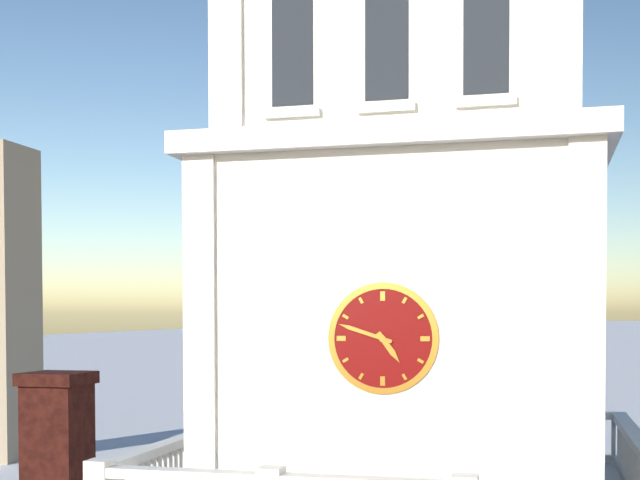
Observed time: 4h48
